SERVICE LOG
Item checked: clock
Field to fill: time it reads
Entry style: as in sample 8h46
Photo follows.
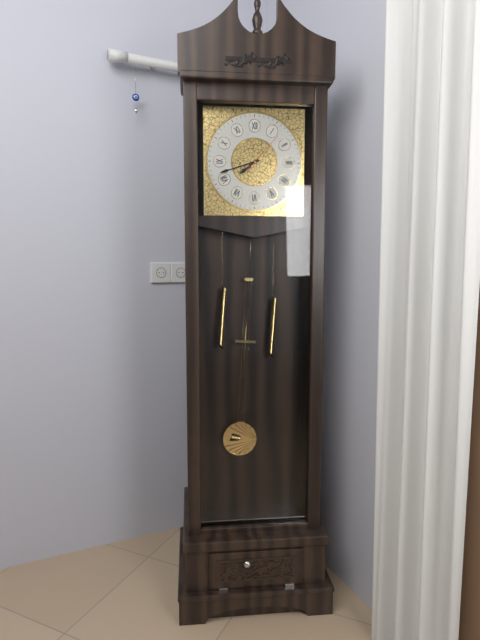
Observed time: 7h42
